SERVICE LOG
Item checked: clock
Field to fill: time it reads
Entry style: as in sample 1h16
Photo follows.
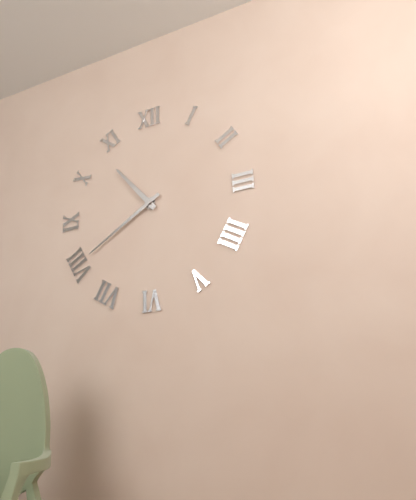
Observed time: 10h40
